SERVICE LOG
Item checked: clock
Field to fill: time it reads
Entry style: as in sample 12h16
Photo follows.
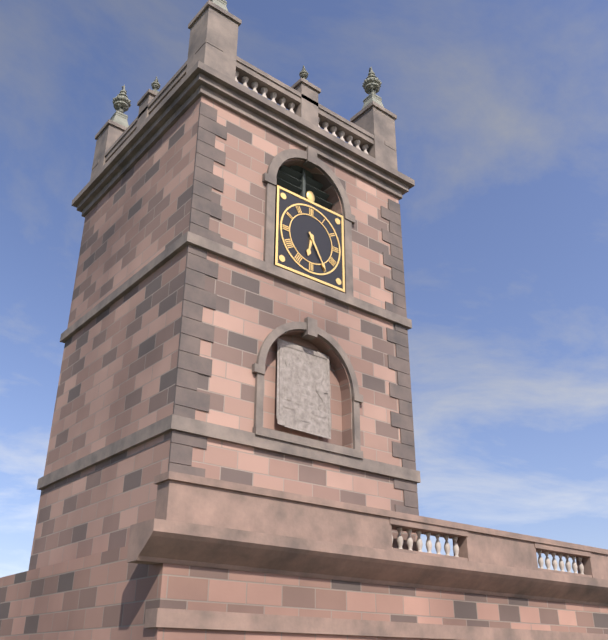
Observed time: 6h25
